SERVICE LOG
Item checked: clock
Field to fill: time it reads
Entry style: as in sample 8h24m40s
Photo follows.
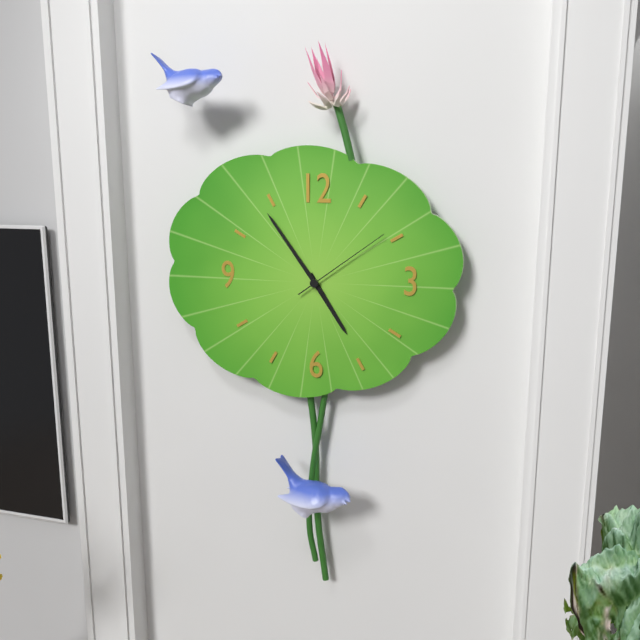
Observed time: 4h54m09s
